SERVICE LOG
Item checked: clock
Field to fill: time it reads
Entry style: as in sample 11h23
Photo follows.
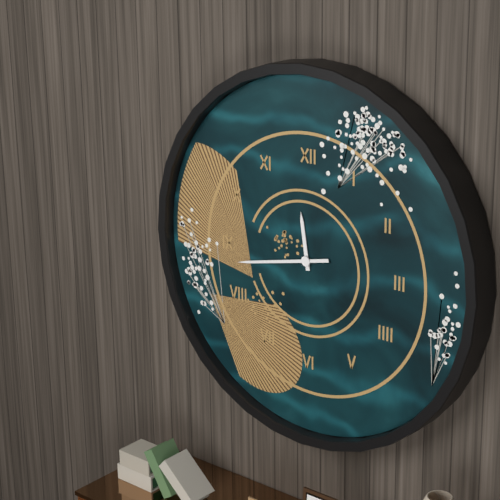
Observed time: 11h43
